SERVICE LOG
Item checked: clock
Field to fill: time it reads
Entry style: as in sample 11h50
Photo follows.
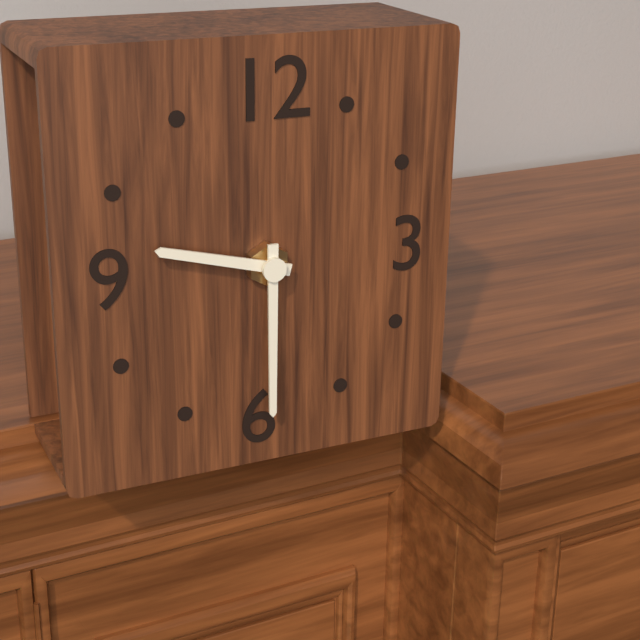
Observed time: 9h30
